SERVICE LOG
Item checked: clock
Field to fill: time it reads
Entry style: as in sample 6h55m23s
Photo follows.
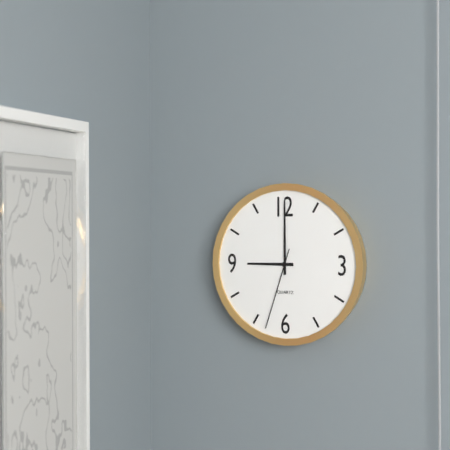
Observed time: 9h00m33s
